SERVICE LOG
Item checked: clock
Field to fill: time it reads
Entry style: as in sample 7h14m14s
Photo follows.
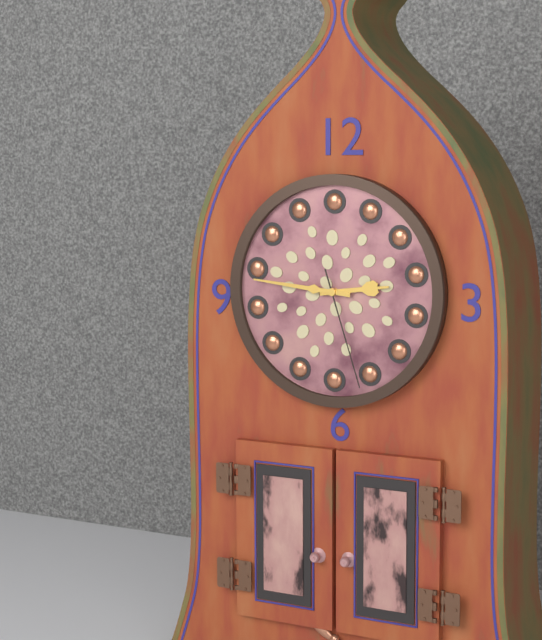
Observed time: 2h46m27s
